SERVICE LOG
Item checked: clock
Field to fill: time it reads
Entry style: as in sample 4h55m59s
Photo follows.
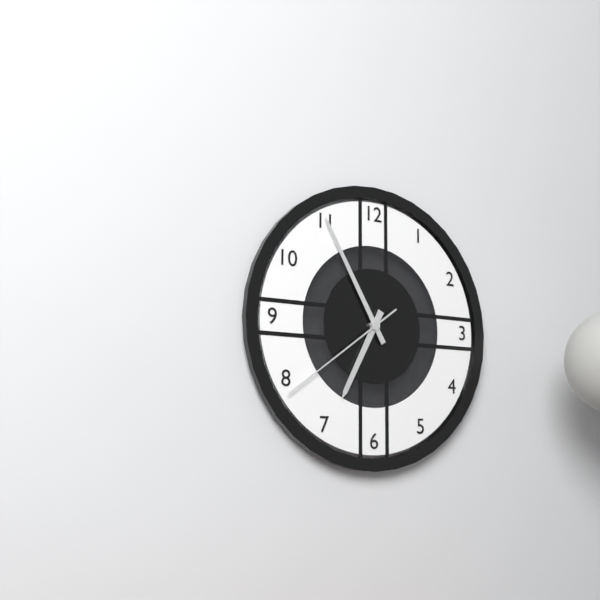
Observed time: 6h55m39s
